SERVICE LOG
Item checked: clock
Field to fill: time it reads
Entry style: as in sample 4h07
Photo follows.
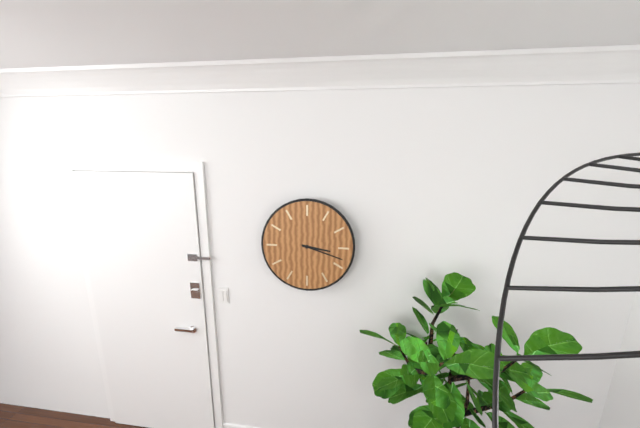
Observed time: 3h18
